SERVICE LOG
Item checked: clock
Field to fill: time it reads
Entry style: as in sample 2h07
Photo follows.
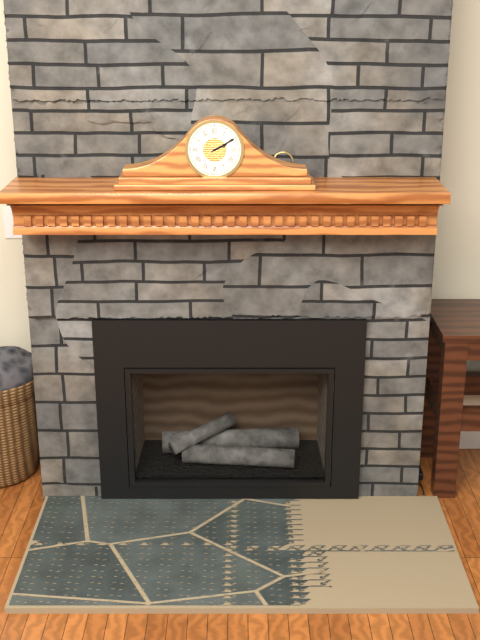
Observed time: 2h10
